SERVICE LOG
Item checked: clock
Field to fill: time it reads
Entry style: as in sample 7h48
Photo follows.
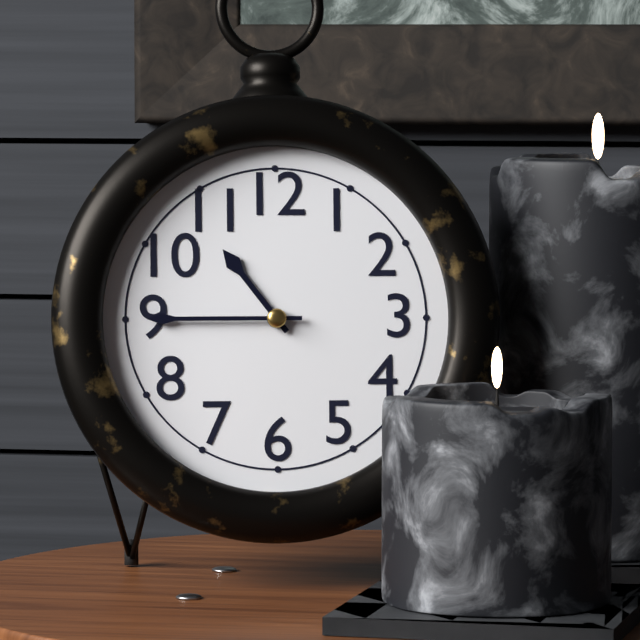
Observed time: 10h45
